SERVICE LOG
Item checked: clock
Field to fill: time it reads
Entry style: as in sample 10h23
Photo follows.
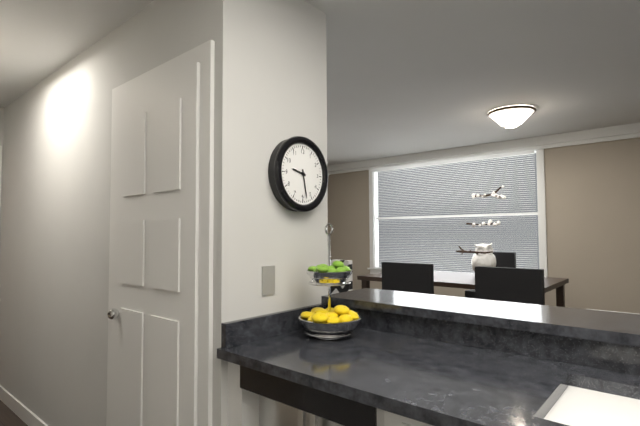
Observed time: 9h28
